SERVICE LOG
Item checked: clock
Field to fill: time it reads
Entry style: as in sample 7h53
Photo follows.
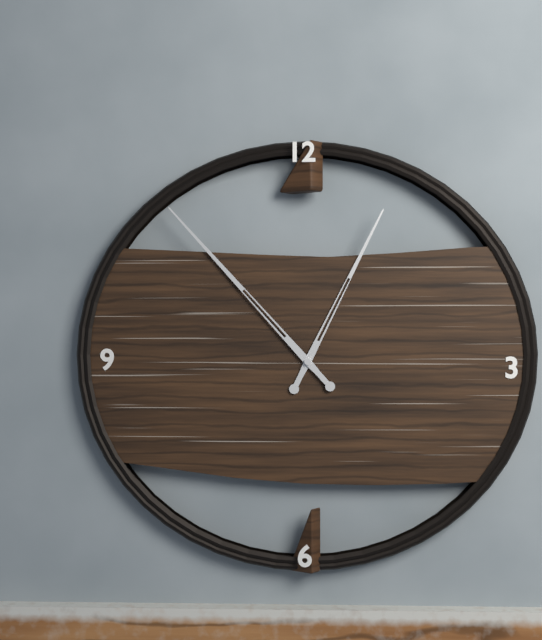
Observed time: 12h53
